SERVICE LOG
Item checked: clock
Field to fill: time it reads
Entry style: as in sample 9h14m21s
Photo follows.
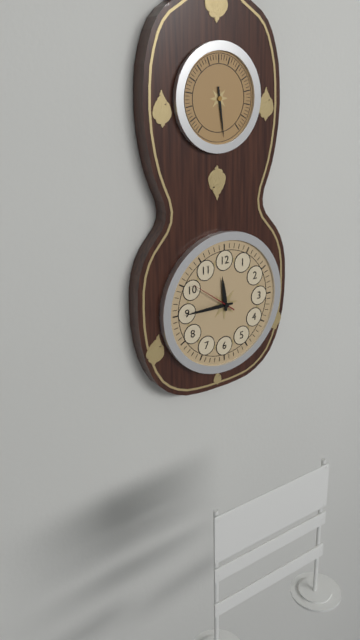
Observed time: 11h45m51s
